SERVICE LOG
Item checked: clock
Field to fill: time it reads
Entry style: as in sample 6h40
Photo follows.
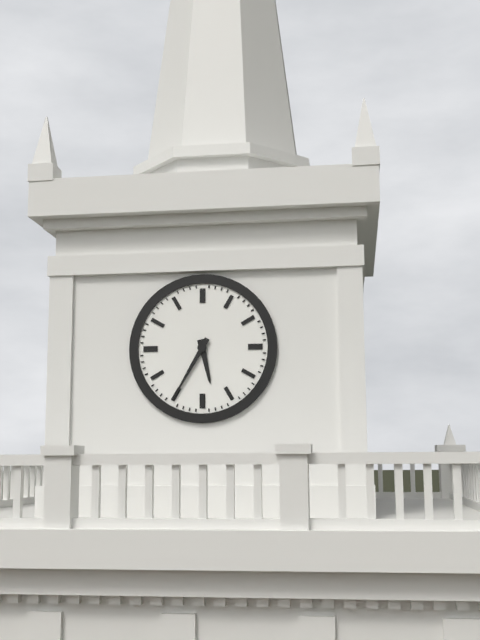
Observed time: 5h35
